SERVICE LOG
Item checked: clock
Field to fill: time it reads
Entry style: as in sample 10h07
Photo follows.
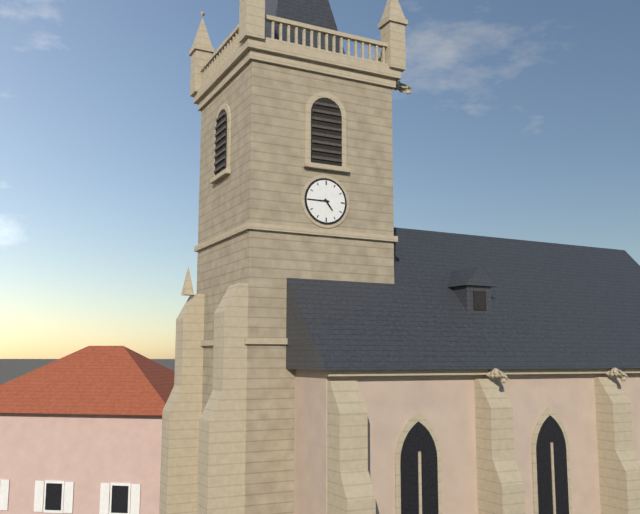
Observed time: 4h45
